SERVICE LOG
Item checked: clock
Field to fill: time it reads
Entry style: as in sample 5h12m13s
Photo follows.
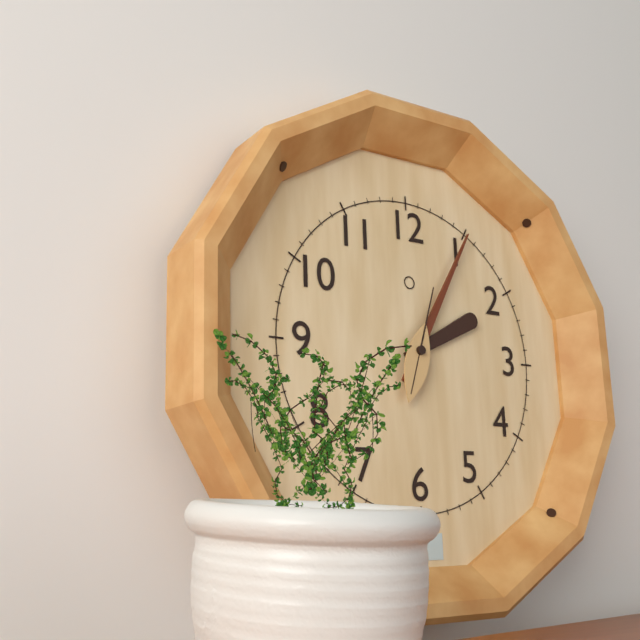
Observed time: 2h05m03s
